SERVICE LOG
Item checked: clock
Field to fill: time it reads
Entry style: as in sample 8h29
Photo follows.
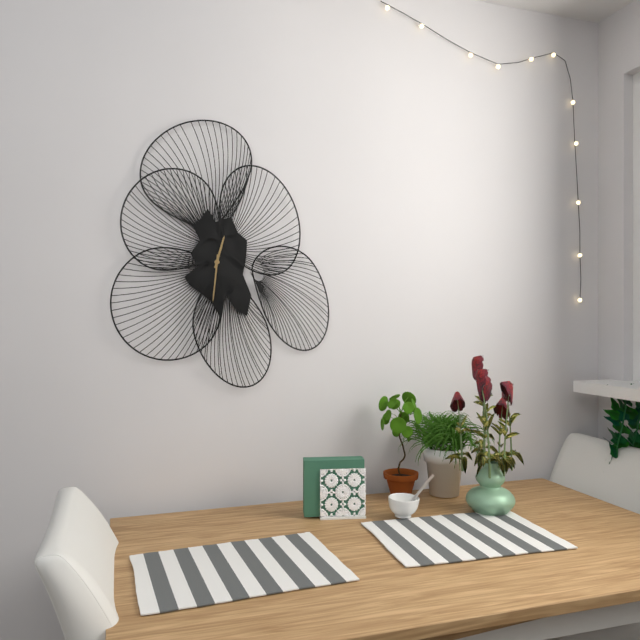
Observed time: 12h31
